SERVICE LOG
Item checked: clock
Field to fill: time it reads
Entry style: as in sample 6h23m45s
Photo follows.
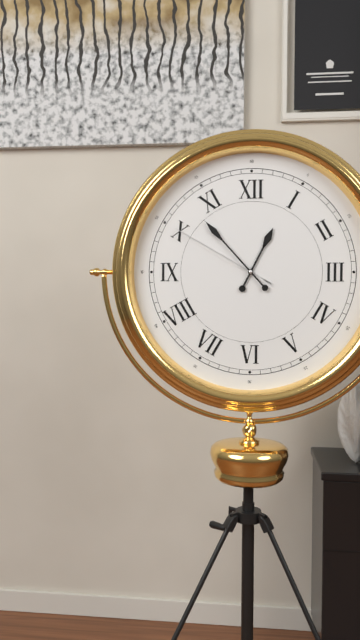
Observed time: 12h53m50s
